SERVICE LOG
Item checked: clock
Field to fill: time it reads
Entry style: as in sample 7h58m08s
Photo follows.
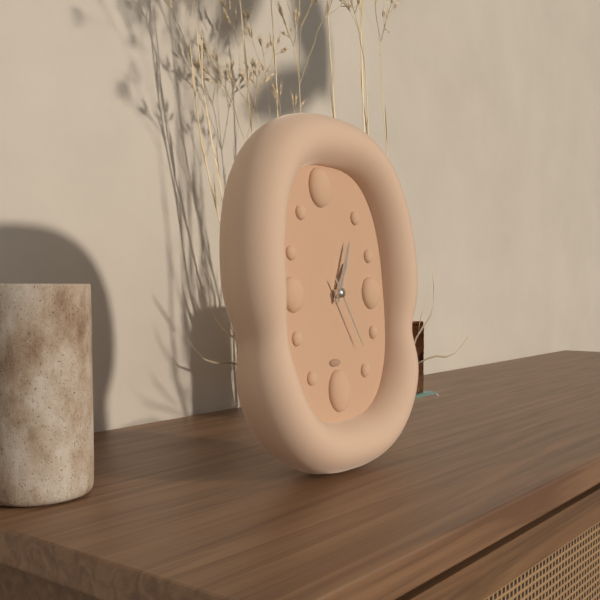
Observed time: 1h04m25s
